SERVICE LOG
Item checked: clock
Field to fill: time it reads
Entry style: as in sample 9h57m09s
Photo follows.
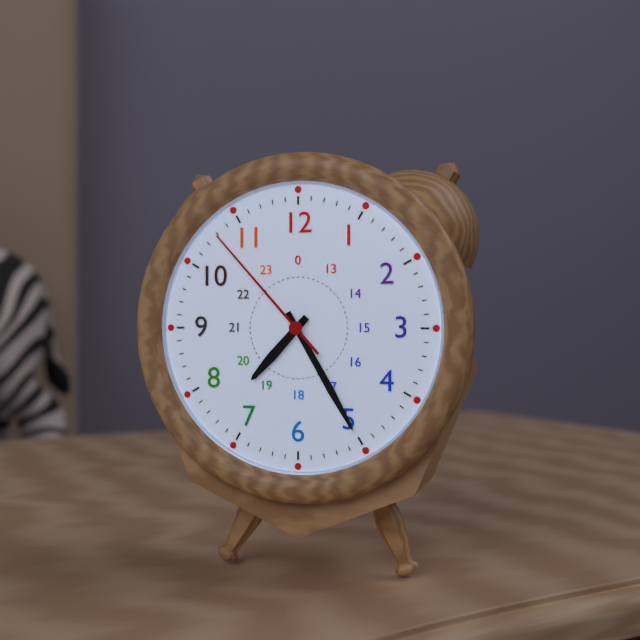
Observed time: 7h25m53s
